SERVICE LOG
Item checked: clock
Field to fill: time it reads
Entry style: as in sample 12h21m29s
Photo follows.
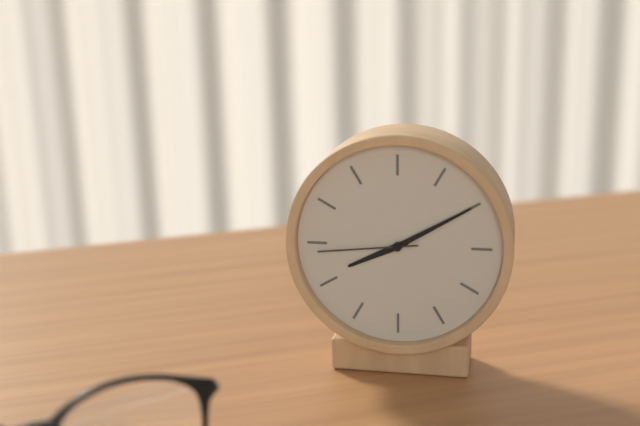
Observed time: 8h10m44s
